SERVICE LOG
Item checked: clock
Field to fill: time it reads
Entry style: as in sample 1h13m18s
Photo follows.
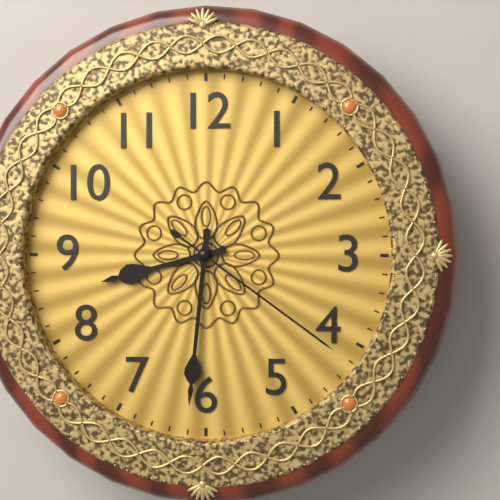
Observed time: 8h31m21s
